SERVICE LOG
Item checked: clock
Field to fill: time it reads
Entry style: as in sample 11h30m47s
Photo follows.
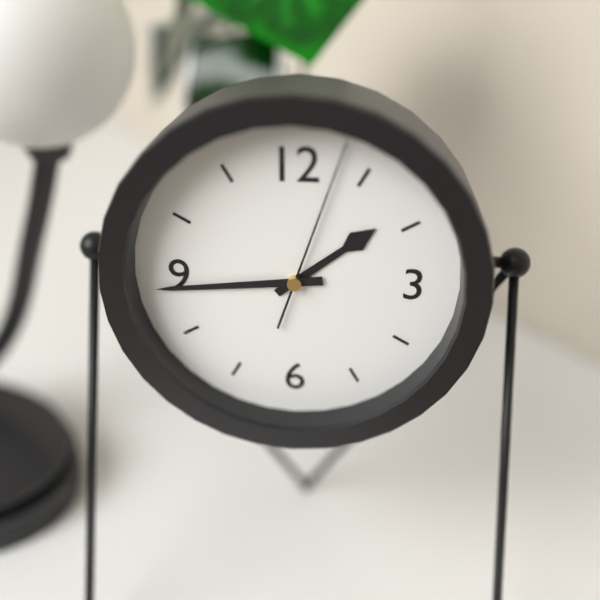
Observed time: 1h44m03s
